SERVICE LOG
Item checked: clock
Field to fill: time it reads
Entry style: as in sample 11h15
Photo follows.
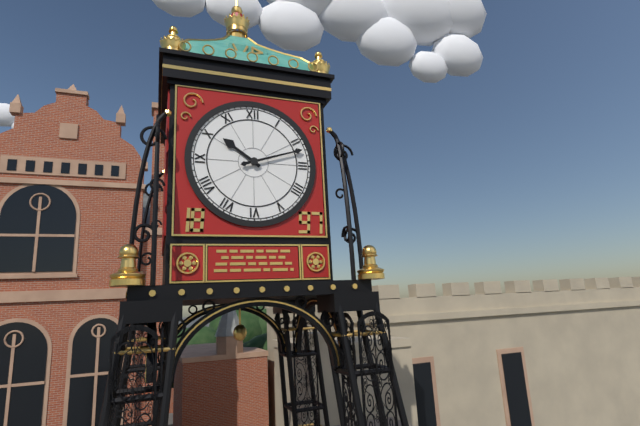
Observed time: 10h12
